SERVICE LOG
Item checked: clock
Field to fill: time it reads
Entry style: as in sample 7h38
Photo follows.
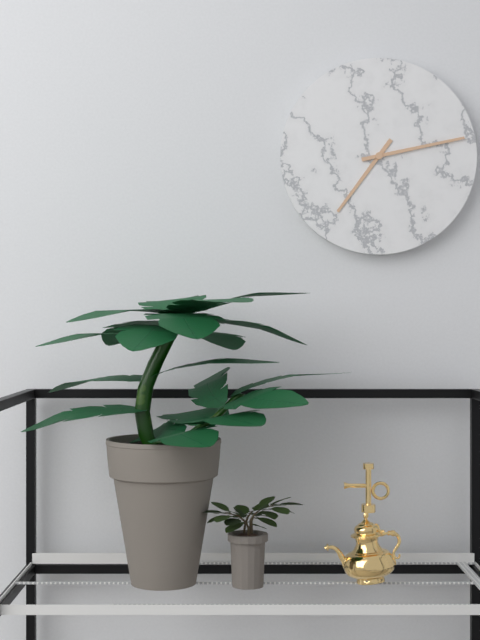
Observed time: 7h13
